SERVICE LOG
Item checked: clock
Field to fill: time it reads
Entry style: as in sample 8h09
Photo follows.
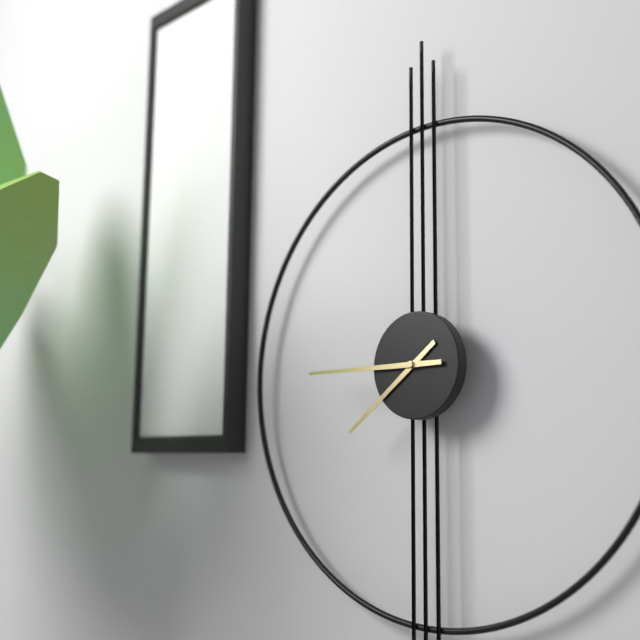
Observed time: 7h45
